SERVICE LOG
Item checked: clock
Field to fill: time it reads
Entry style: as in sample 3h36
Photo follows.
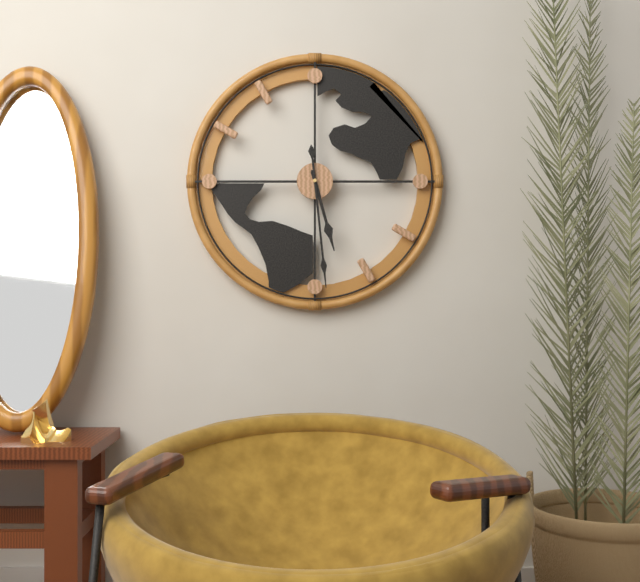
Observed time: 5h29
